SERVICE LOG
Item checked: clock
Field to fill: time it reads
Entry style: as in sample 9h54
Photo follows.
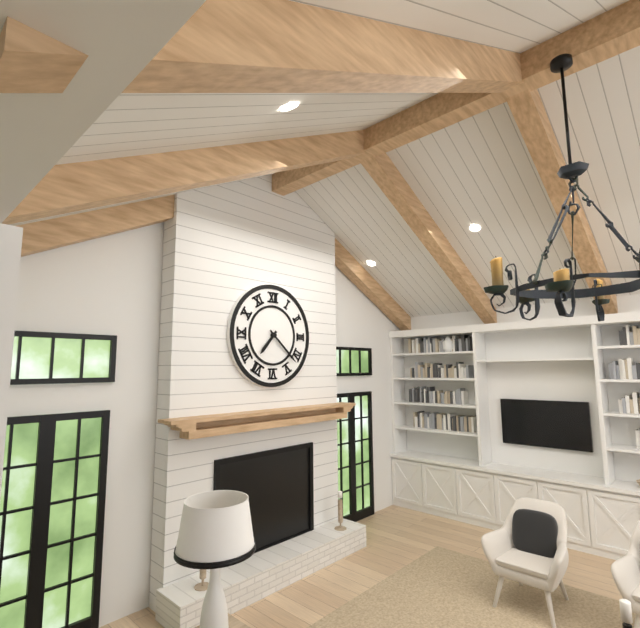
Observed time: 7h22
